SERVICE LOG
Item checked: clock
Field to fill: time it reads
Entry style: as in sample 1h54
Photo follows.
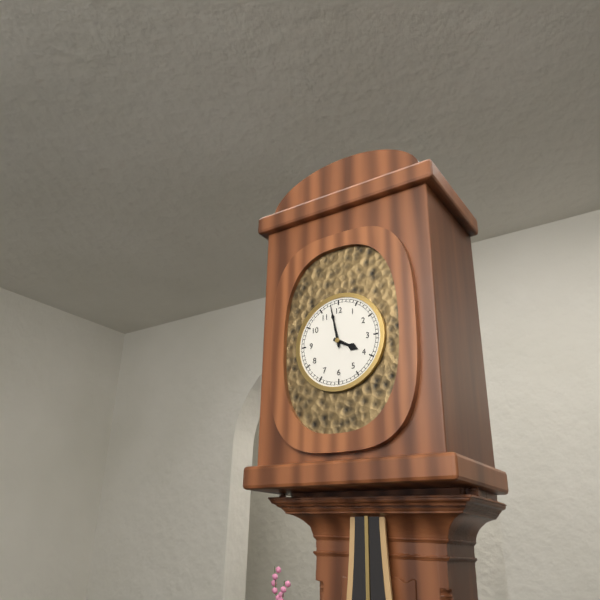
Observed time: 3h58
